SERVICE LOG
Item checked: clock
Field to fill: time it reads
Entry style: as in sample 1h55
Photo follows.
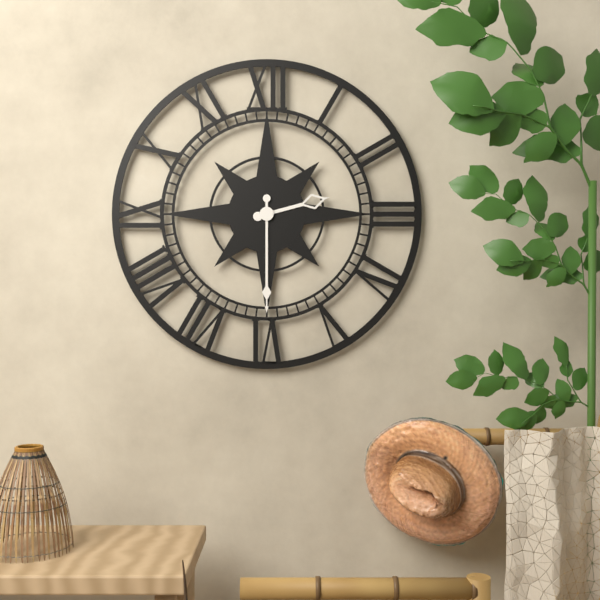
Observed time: 2h30
